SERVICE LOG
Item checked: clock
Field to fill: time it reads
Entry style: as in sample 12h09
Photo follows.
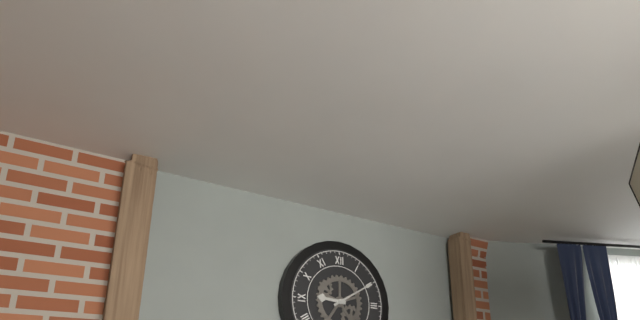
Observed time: 9h10
